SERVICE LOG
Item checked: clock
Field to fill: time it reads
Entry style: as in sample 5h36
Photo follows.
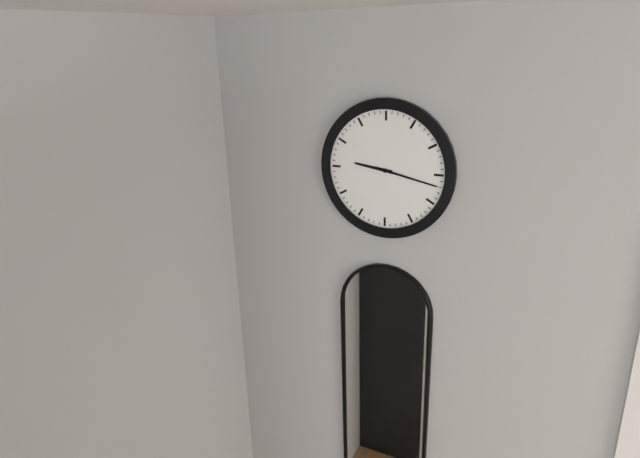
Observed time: 9h17
